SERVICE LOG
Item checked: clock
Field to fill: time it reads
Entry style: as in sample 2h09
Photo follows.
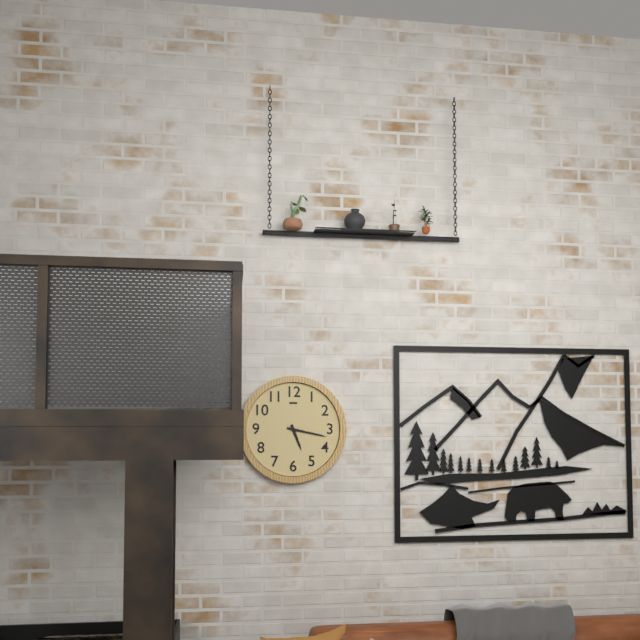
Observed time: 5h17
